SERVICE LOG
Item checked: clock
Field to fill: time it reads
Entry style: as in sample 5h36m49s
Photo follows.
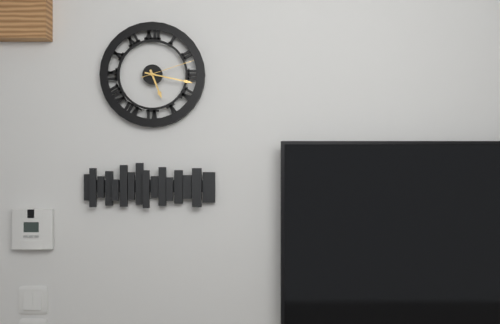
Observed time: 5h17m12s
